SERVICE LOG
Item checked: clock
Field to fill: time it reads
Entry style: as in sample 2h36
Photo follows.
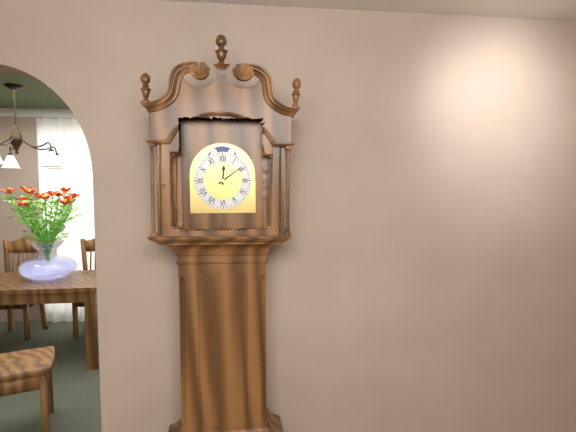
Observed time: 12h09
